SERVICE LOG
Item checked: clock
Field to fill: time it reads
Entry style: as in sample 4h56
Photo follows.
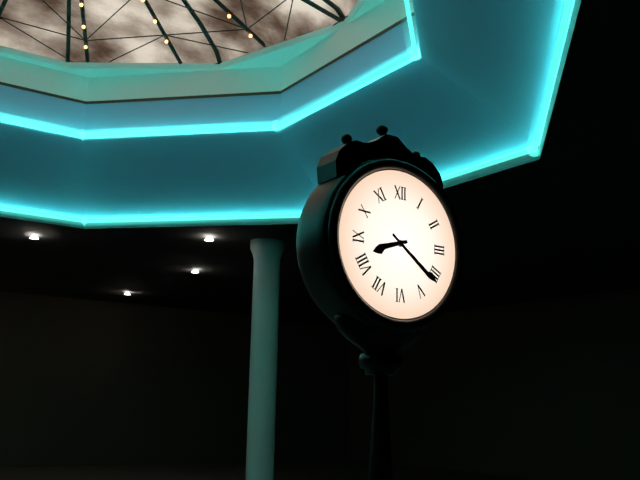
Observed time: 8h21
